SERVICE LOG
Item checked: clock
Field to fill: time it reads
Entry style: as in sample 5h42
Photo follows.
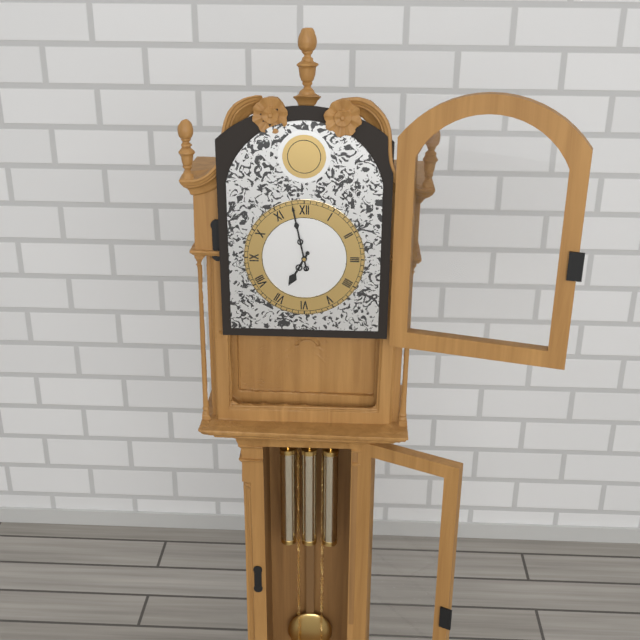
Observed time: 6h58
